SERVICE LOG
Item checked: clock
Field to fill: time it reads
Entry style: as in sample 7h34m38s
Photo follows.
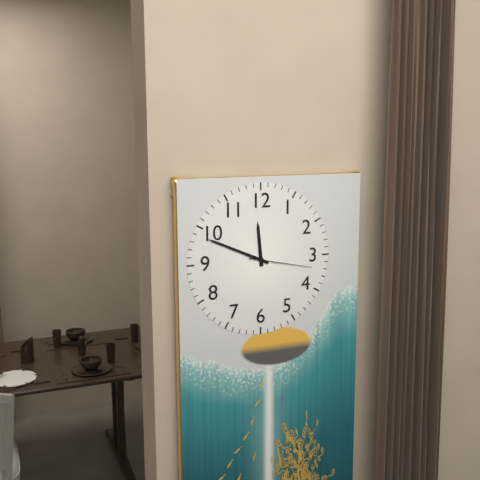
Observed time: 11h49m17s
